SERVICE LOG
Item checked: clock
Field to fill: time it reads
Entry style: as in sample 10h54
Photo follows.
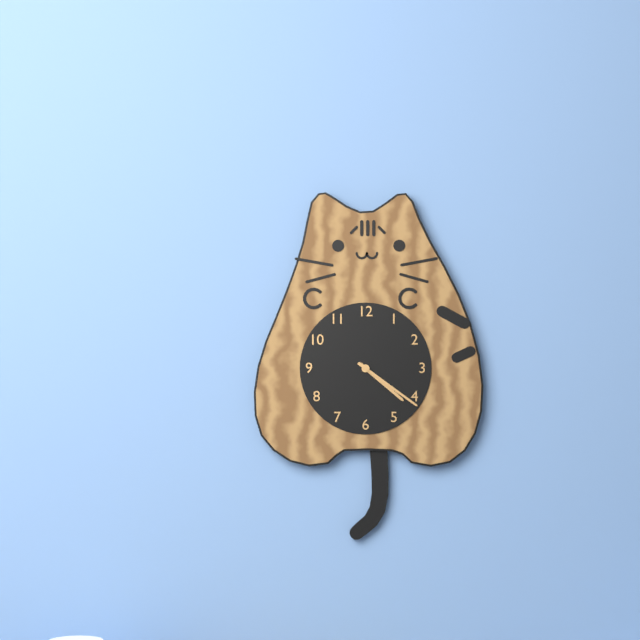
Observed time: 4h21
